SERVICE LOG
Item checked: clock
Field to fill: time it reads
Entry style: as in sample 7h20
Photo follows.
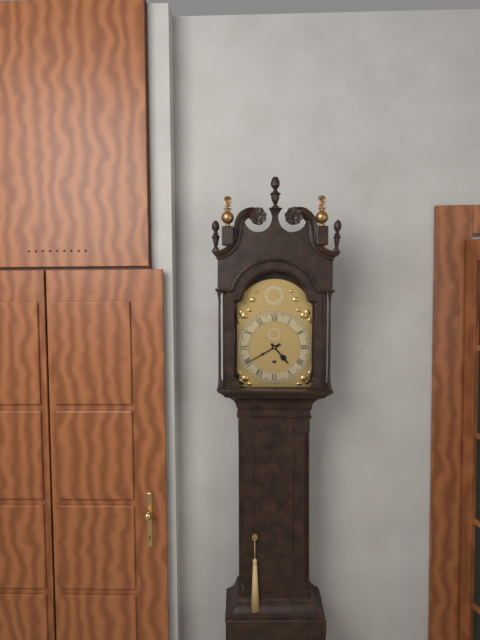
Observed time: 4h40
